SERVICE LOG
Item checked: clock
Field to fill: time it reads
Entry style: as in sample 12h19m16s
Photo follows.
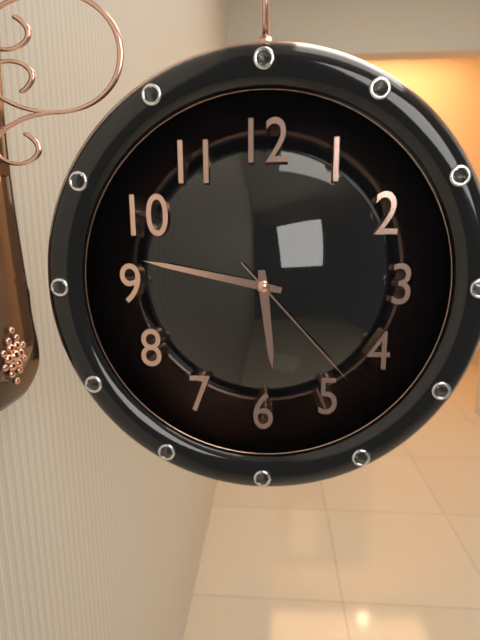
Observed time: 5h47m23s
